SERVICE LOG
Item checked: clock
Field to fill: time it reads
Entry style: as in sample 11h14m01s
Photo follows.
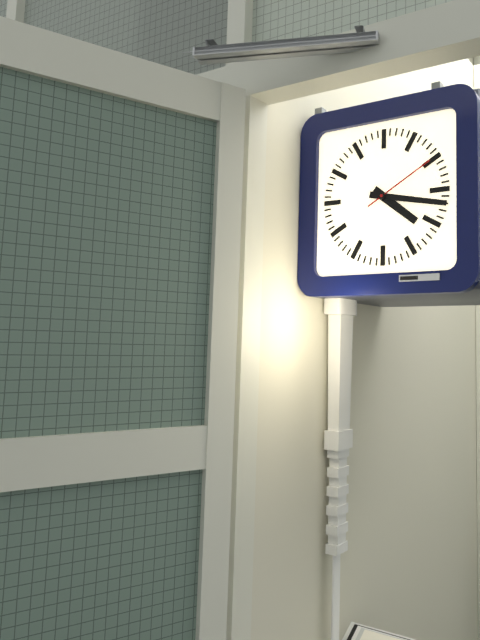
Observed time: 4h17m10s
